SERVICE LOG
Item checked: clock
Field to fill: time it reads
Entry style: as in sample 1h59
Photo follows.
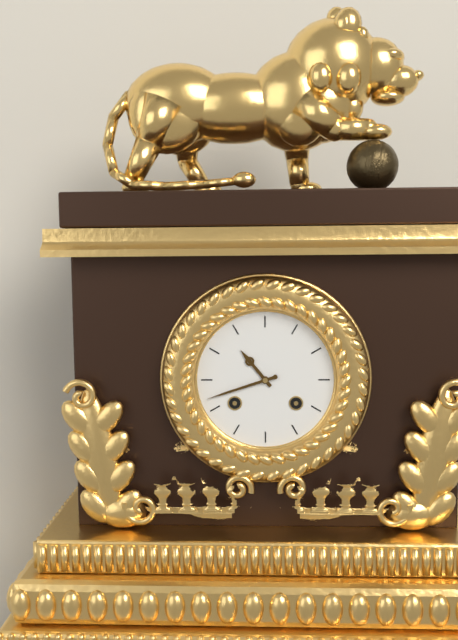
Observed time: 10h42
